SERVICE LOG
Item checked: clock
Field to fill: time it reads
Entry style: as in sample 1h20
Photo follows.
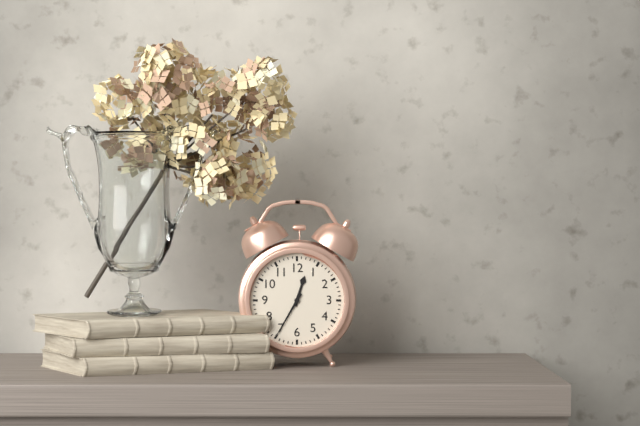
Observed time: 12h35
